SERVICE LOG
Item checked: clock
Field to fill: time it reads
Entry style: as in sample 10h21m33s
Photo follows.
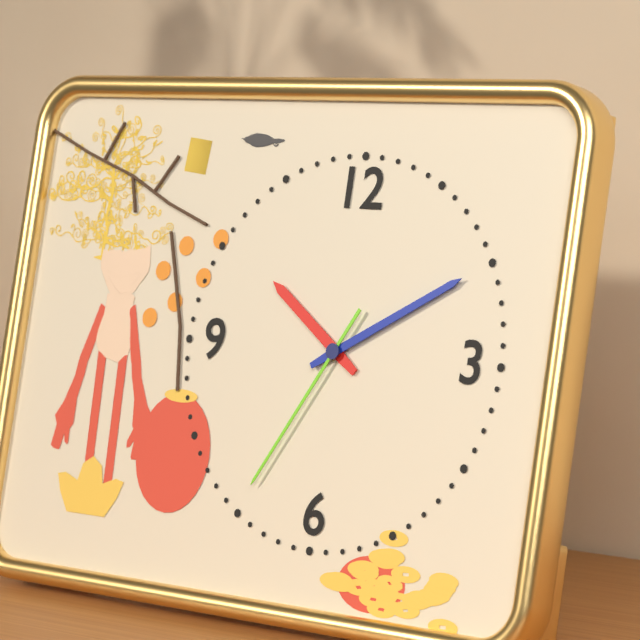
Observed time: 10h10m35s
